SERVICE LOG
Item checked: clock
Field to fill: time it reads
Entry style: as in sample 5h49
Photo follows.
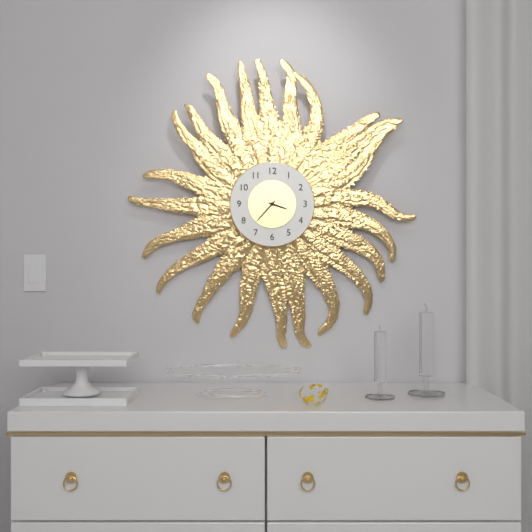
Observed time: 3h37
